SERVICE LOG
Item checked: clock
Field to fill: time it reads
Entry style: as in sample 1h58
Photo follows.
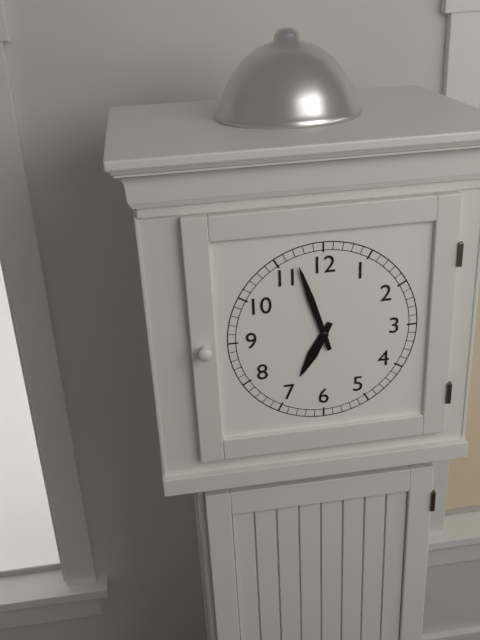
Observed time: 6h57
